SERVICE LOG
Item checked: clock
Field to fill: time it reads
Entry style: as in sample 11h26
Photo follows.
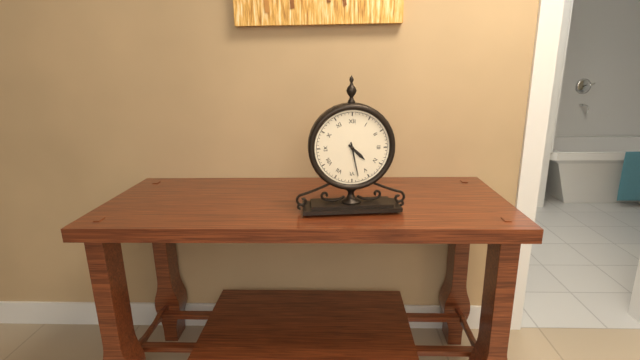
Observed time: 4h28
